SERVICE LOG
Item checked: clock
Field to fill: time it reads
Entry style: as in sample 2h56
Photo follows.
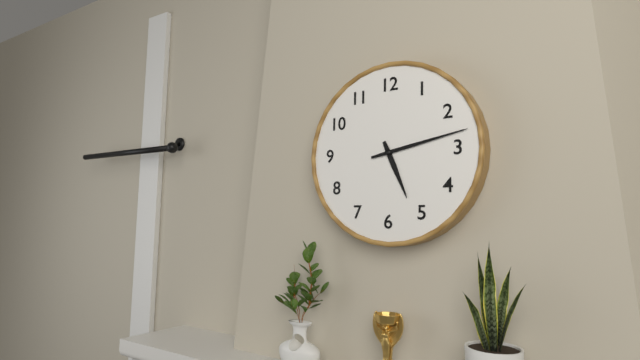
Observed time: 5h13
